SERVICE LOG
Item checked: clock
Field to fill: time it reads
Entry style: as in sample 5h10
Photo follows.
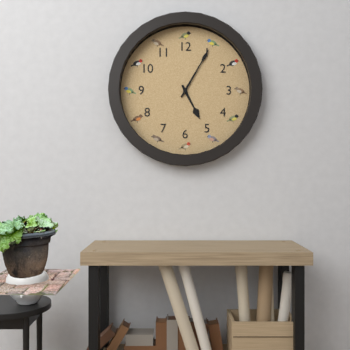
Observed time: 5h05
